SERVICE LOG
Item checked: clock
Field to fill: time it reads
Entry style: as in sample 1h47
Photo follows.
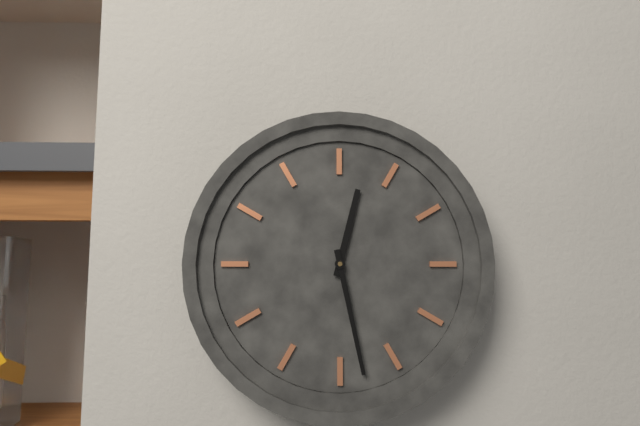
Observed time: 12h28
